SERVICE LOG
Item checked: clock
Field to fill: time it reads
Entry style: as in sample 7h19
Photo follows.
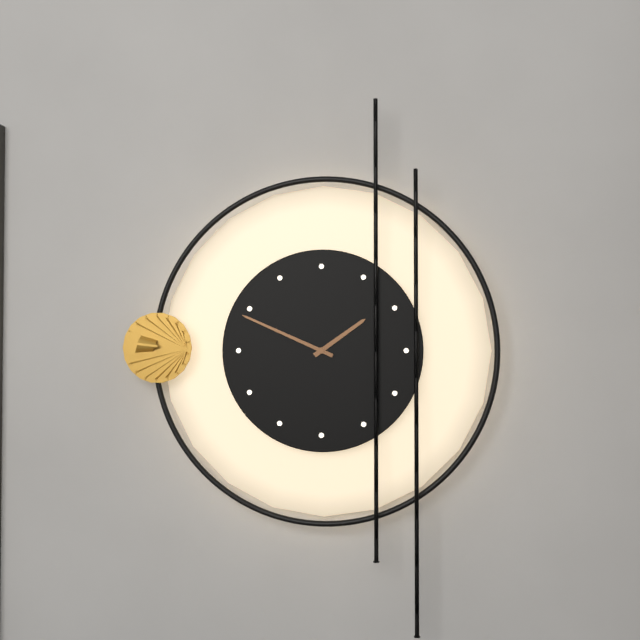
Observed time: 1h49
